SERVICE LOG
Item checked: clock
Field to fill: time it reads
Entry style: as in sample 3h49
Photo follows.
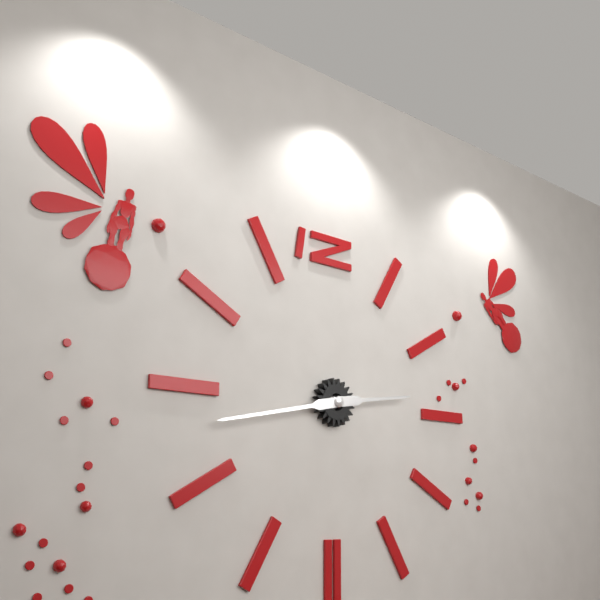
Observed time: 2h43
